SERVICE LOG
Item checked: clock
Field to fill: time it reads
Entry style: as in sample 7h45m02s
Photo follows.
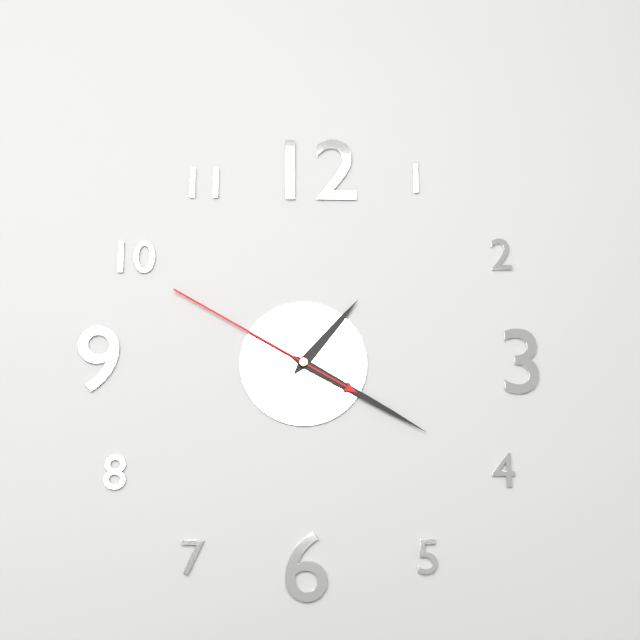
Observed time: 1h20m50s
